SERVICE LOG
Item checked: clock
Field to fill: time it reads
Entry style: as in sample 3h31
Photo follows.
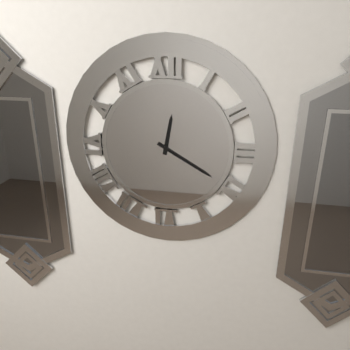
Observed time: 12h20
